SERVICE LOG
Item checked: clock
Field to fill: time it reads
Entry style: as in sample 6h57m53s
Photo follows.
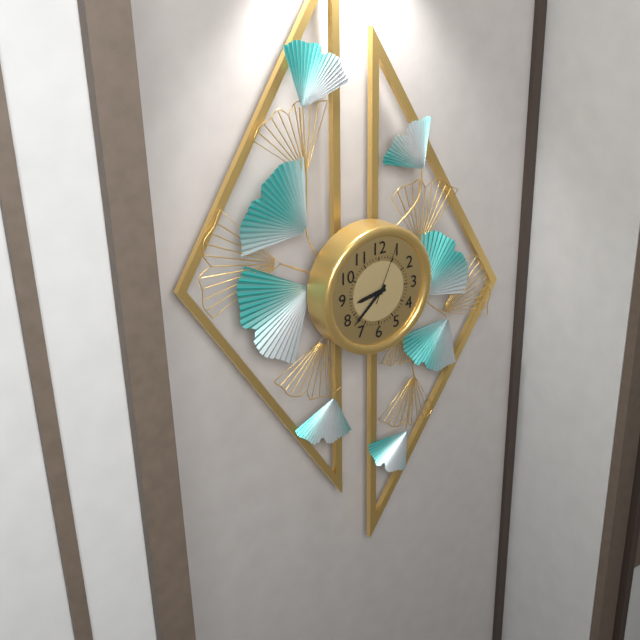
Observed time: 8h38m04s
